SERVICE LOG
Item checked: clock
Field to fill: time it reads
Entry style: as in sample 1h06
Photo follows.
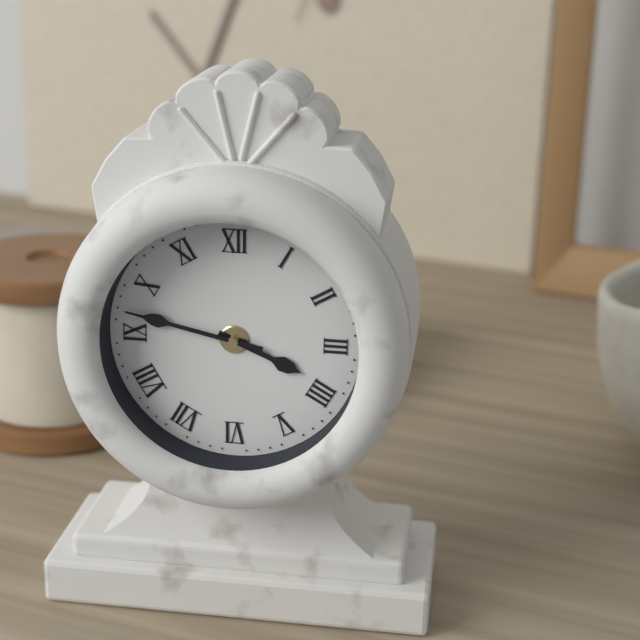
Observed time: 3h47
